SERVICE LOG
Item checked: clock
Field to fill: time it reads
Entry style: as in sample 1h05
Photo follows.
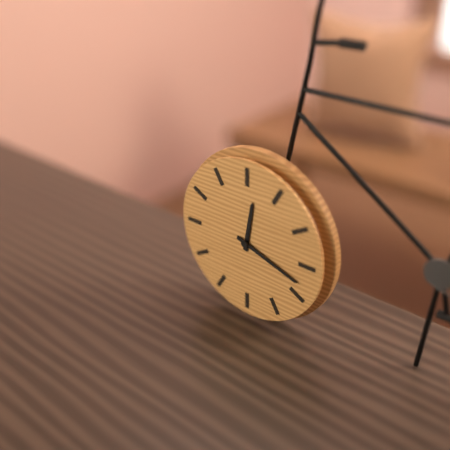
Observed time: 12h18
